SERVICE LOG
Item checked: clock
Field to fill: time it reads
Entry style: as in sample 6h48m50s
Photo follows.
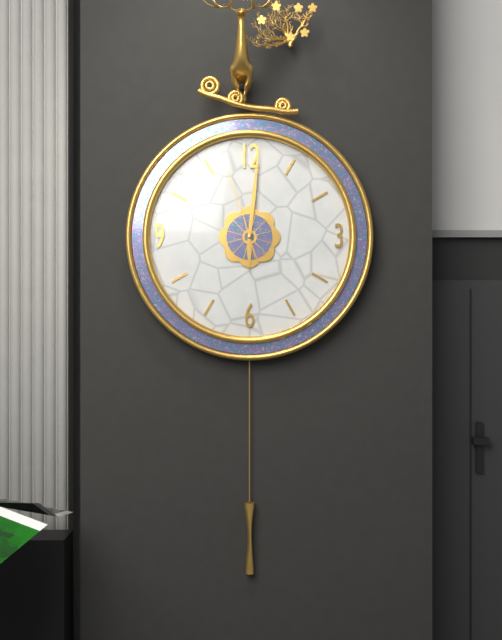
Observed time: 6h01m57s
